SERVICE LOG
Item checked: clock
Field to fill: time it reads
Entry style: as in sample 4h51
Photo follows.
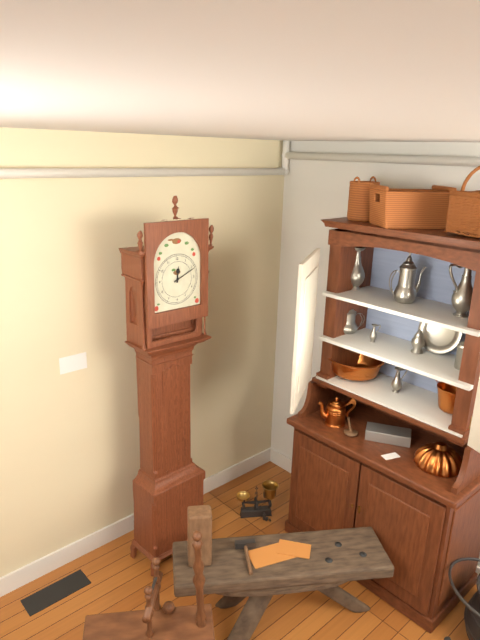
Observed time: 12h11
